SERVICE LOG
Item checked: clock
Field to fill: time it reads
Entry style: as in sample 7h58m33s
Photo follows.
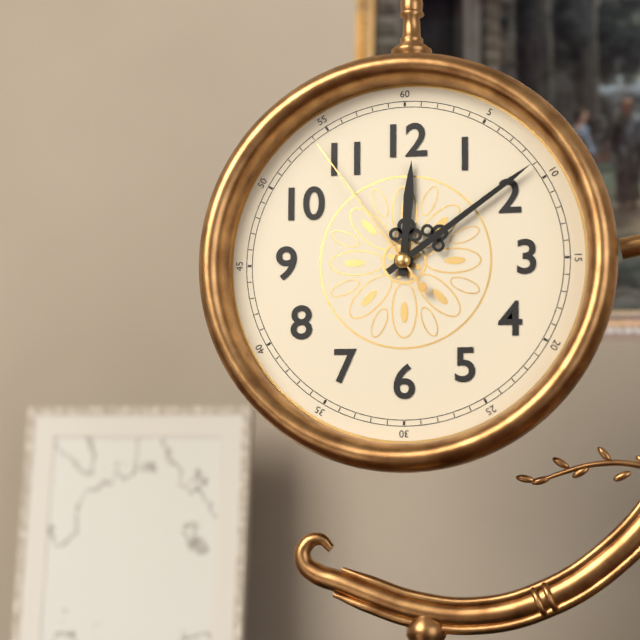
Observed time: 12h09m54s
